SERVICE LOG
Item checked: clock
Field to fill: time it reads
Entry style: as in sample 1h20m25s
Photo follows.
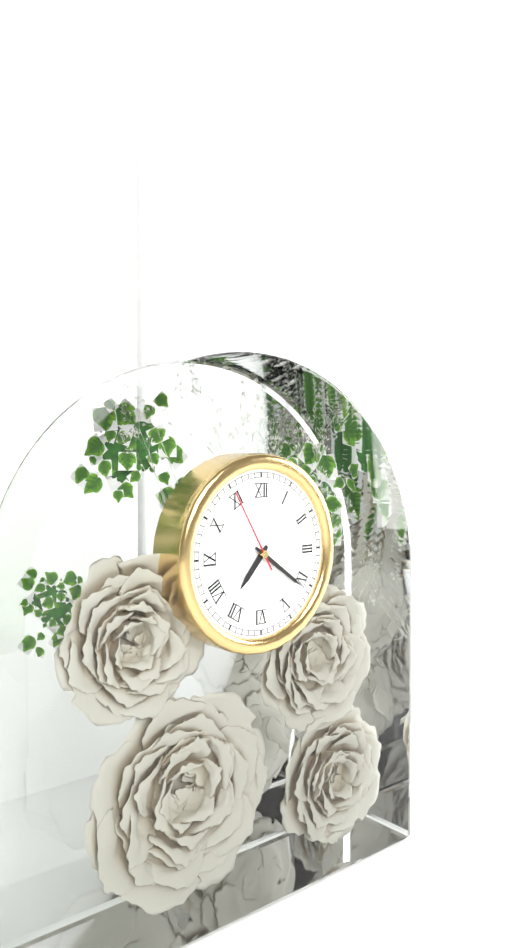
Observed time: 7h21m55s
